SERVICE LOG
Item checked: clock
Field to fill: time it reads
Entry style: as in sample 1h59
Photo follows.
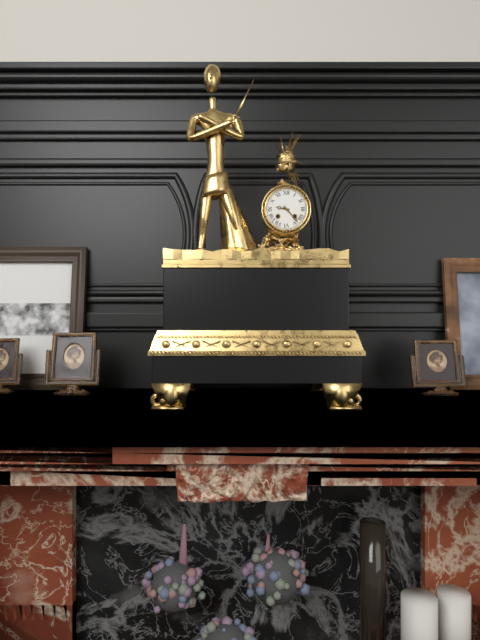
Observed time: 9h23
